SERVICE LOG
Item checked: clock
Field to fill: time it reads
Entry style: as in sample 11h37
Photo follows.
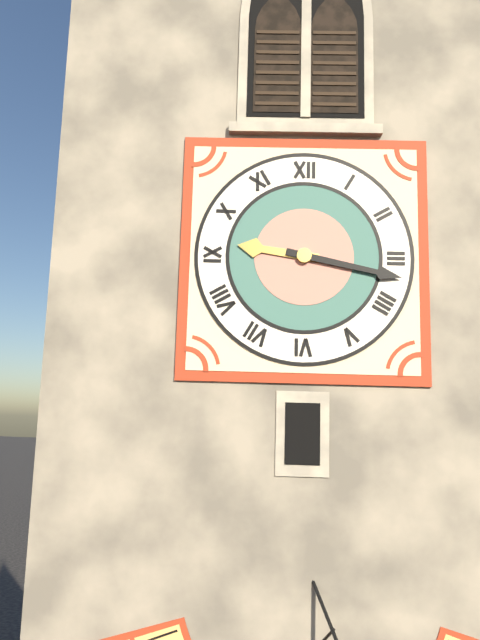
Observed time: 9h17
